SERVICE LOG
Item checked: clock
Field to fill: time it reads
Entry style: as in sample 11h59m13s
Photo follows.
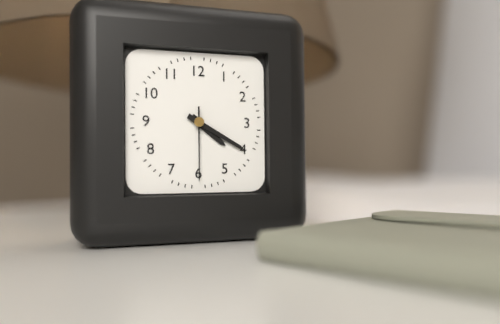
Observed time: 4h20m30s
